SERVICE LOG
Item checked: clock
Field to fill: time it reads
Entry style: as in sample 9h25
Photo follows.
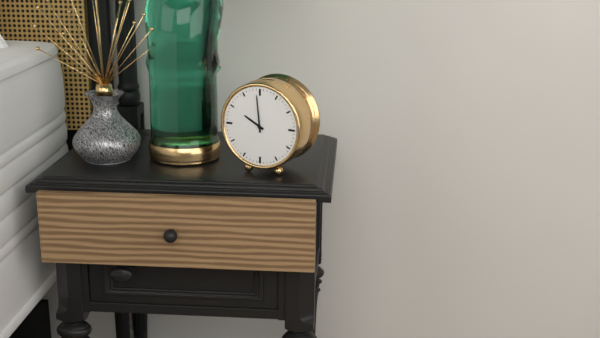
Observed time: 9h59
